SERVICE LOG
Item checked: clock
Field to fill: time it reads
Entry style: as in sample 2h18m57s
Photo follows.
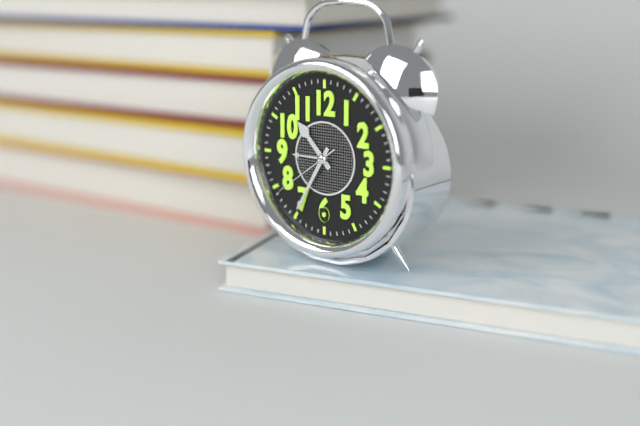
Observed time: 10h35m39s
